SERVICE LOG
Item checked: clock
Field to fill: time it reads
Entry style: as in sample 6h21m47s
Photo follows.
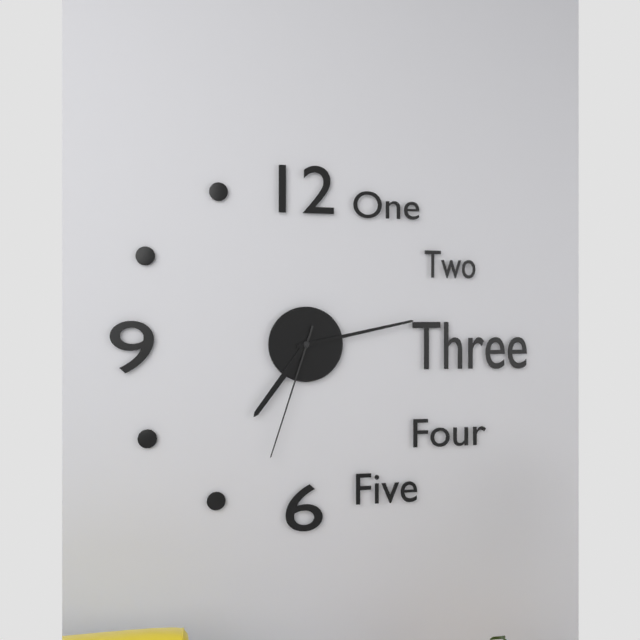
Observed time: 7h13m33s
